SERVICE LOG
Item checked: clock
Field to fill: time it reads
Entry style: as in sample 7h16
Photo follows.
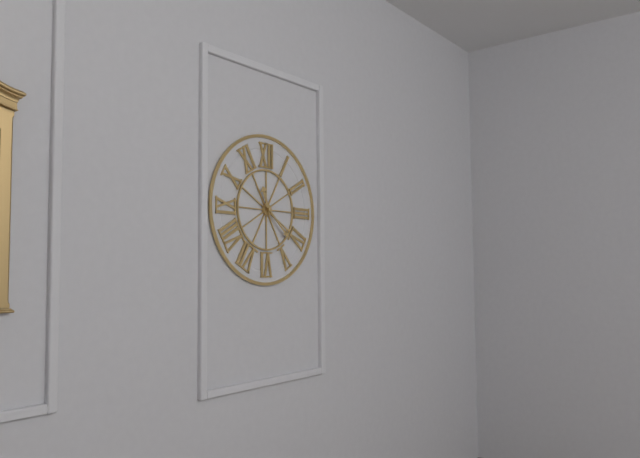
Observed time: 11h22
